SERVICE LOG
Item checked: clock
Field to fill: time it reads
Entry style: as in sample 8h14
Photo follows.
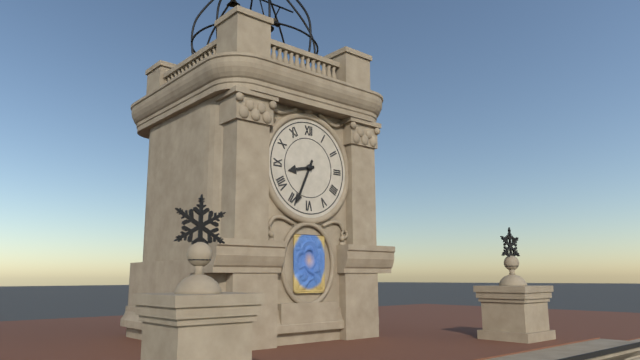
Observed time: 8h34
